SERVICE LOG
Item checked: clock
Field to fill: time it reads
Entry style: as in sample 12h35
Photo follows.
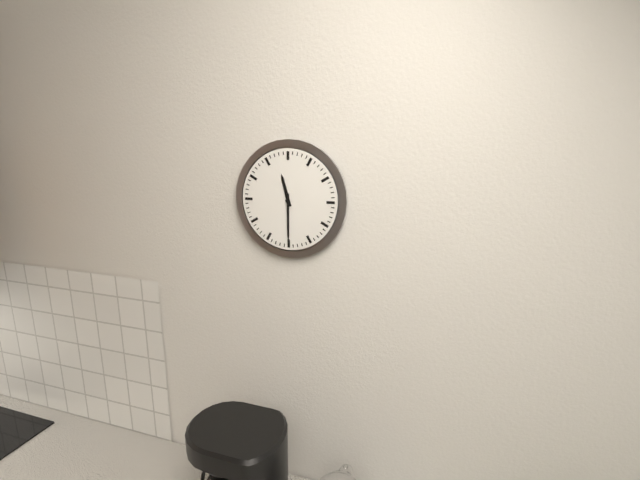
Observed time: 11h30
